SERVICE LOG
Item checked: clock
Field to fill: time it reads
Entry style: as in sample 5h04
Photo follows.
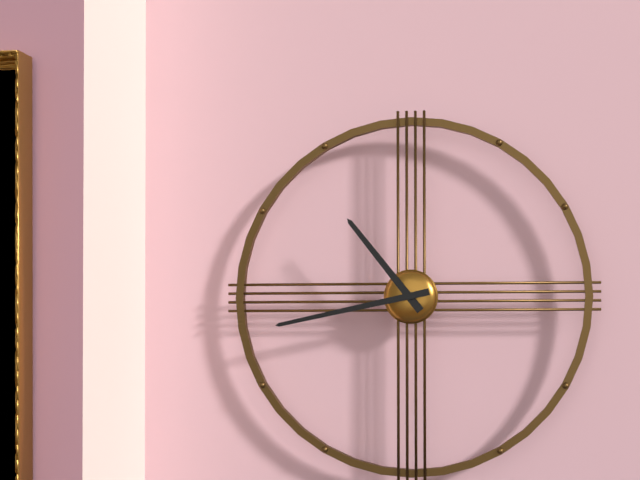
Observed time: 10h43
